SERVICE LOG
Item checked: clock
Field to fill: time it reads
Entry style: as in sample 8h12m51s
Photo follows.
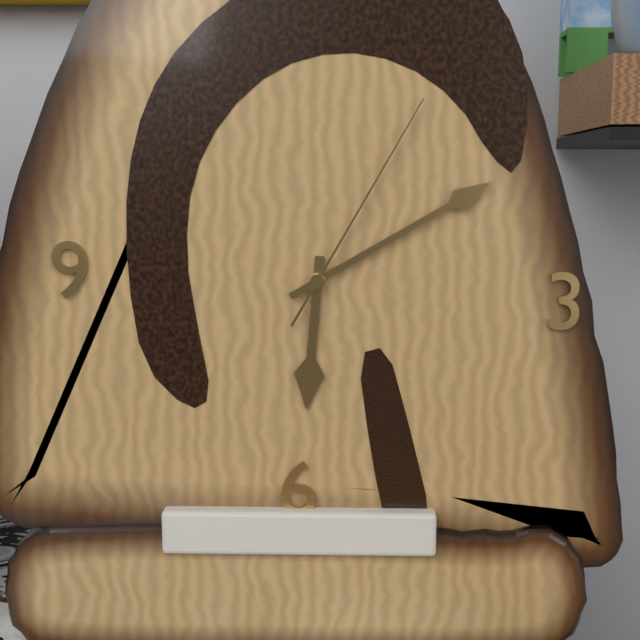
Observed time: 6h10m05s
